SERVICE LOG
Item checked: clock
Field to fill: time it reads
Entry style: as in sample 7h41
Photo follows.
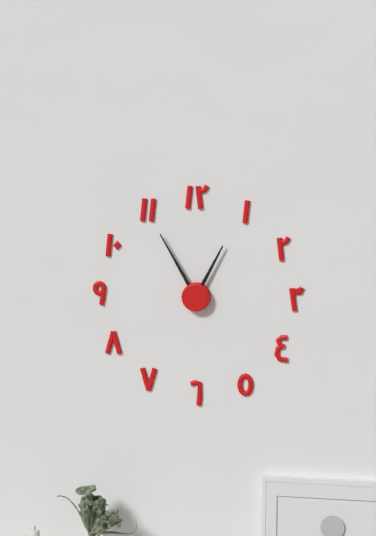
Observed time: 12h55
